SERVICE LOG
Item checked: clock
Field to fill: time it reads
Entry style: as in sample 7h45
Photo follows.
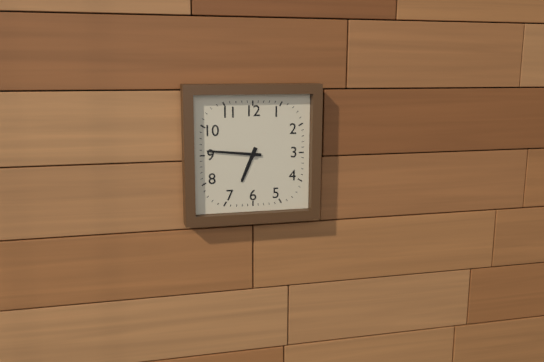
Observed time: 6h46
